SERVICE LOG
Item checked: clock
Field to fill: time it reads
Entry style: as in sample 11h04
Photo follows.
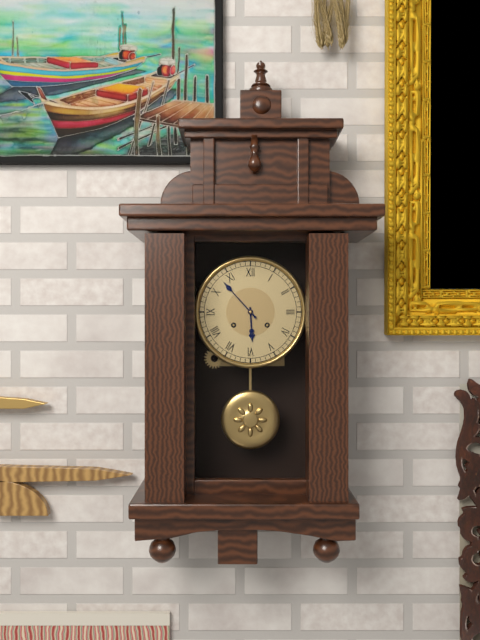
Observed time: 5h53
